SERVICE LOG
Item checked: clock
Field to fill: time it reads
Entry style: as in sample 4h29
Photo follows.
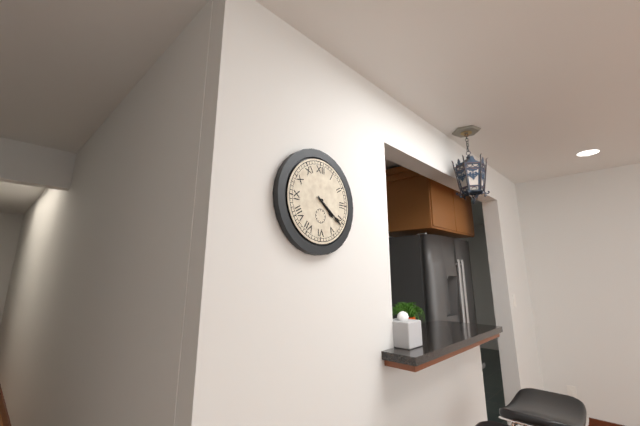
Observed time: 4h21
